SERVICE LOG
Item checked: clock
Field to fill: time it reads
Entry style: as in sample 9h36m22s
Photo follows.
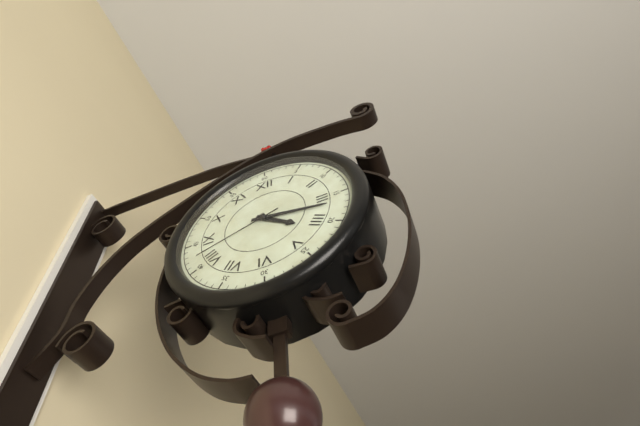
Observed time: 4h17m42s
